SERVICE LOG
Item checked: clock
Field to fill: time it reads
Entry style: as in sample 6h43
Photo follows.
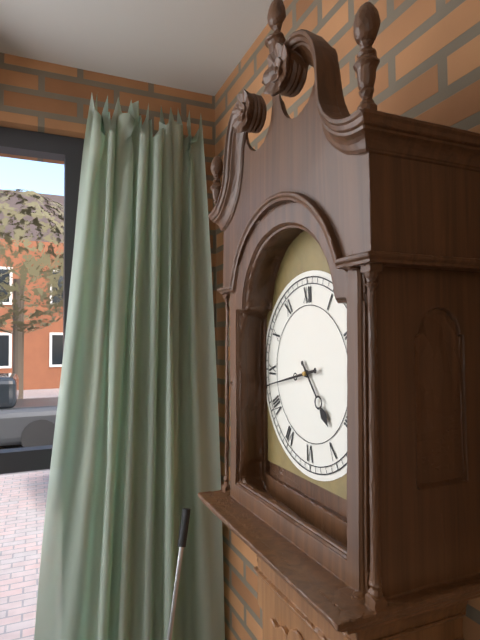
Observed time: 4h43
